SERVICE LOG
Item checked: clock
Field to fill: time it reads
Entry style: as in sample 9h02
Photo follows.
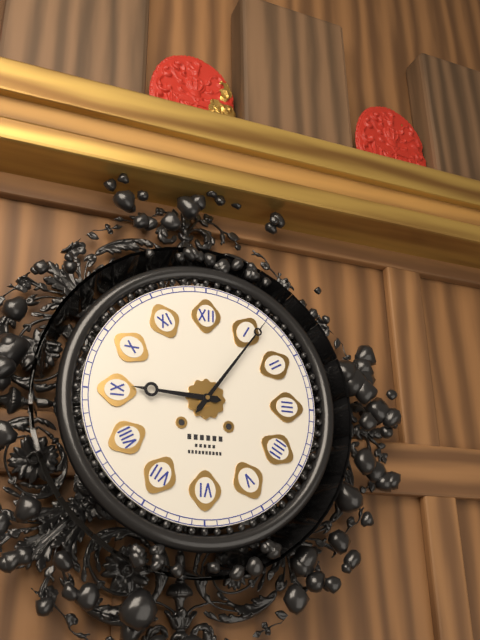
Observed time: 9h06
